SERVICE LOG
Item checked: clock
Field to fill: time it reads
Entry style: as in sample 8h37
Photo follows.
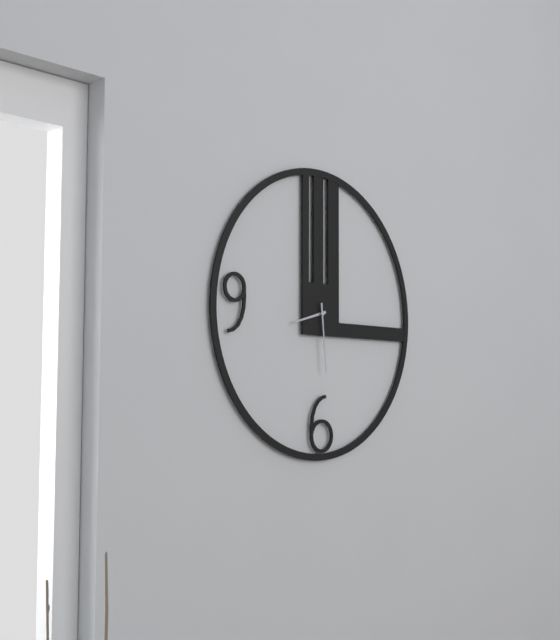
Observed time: 8h29
